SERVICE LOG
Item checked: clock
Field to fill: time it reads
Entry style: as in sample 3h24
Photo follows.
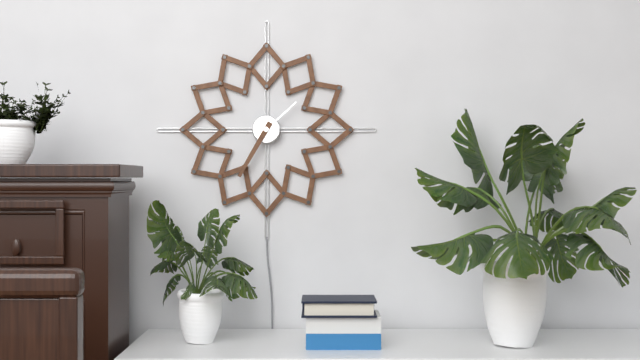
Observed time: 1h35
